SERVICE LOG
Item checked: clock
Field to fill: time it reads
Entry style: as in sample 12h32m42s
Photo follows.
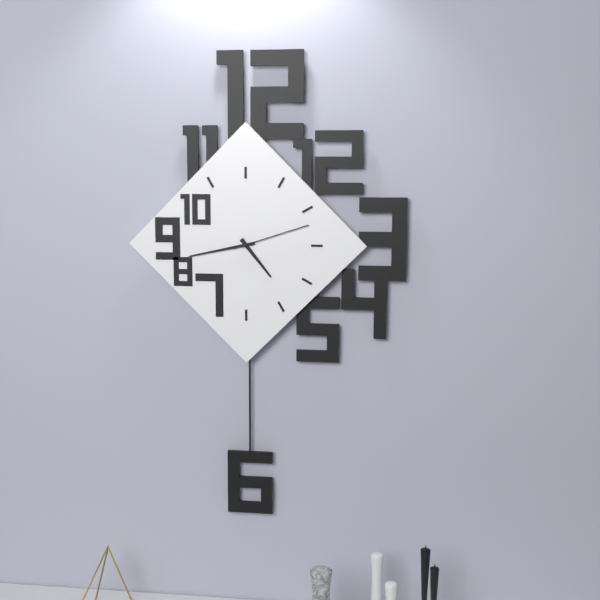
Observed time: 4h43m12s
